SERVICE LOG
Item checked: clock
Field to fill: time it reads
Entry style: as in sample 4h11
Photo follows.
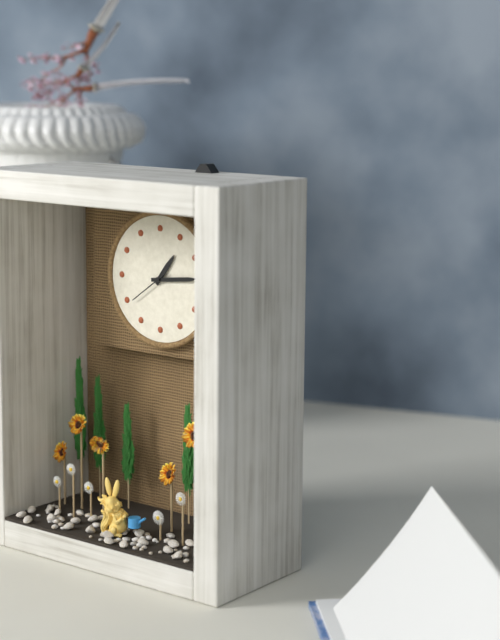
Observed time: 1h14
